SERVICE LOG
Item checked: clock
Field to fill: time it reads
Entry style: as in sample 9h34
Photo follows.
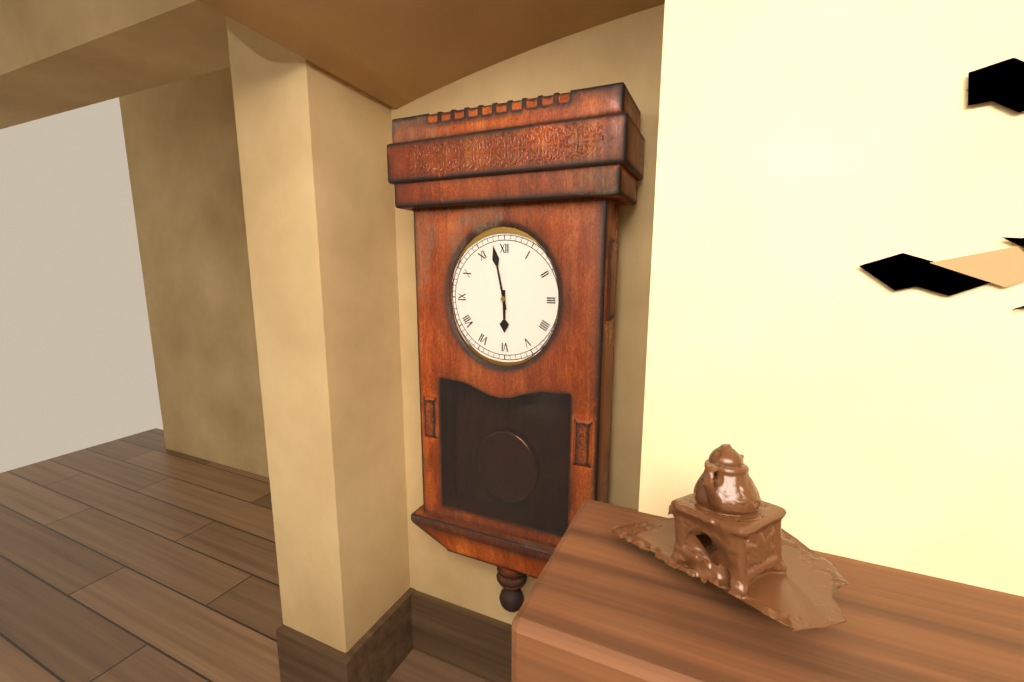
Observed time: 5h58
